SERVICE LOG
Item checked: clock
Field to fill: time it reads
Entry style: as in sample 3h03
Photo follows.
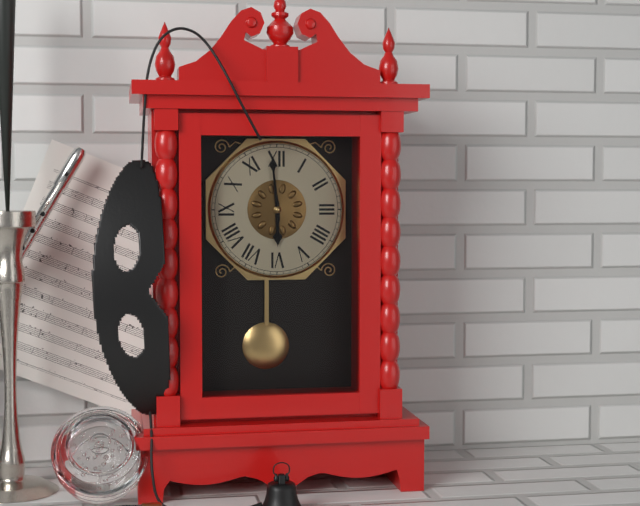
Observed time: 5h59
